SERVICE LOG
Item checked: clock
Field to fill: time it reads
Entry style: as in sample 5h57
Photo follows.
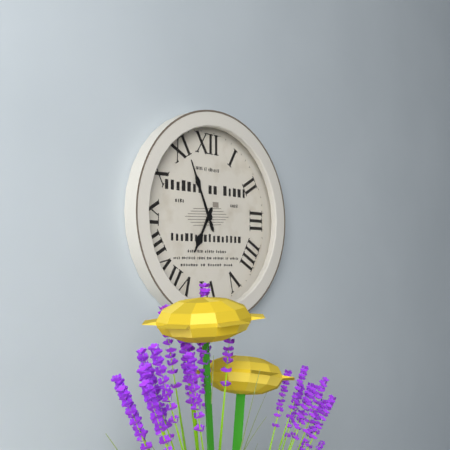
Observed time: 6h56
